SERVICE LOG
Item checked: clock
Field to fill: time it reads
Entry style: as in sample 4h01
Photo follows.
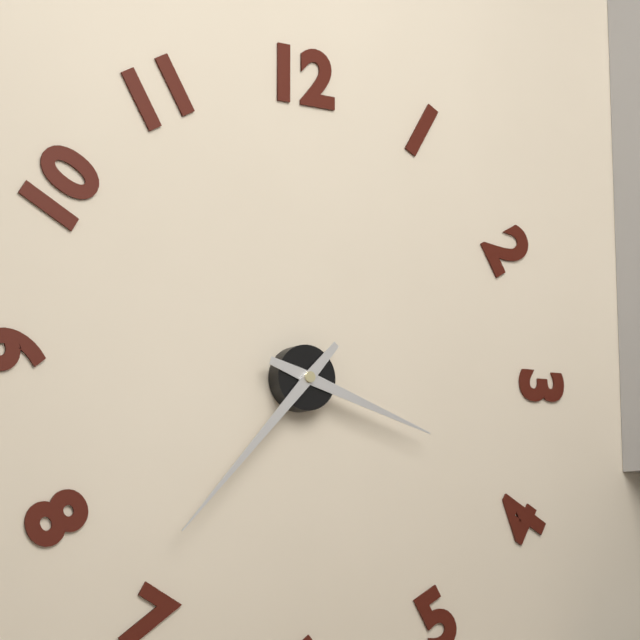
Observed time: 3h37
